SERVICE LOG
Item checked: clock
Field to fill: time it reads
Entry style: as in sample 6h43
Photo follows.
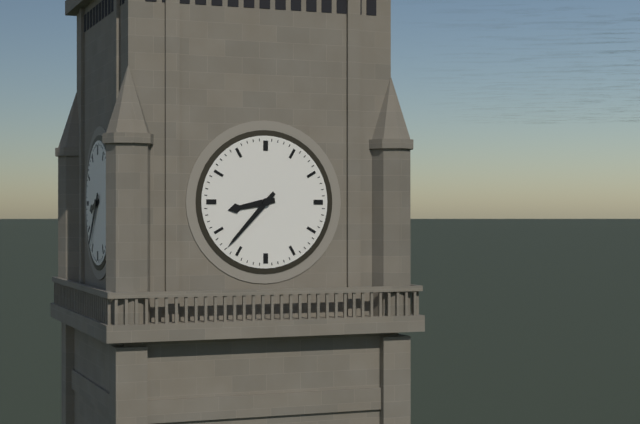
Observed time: 8h37
